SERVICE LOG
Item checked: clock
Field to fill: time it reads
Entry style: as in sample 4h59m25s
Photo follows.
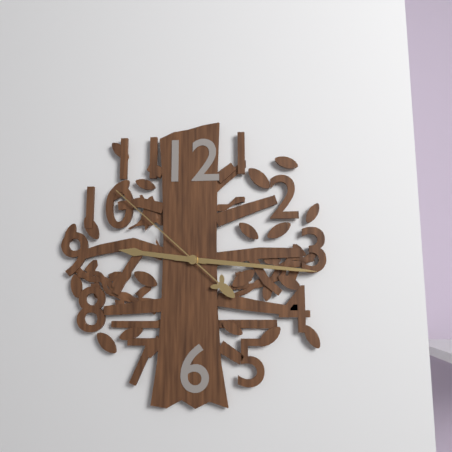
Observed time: 9h16m52s
